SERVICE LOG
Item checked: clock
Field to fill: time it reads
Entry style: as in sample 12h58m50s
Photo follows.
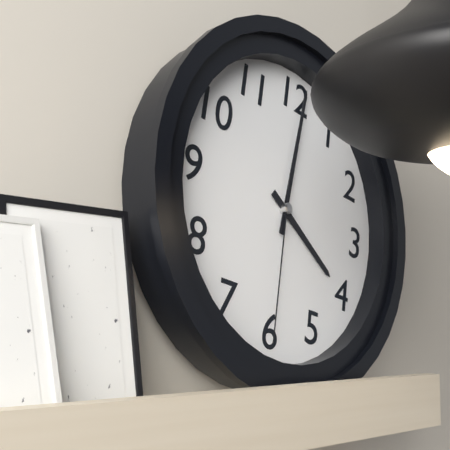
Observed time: 4h01m30s
